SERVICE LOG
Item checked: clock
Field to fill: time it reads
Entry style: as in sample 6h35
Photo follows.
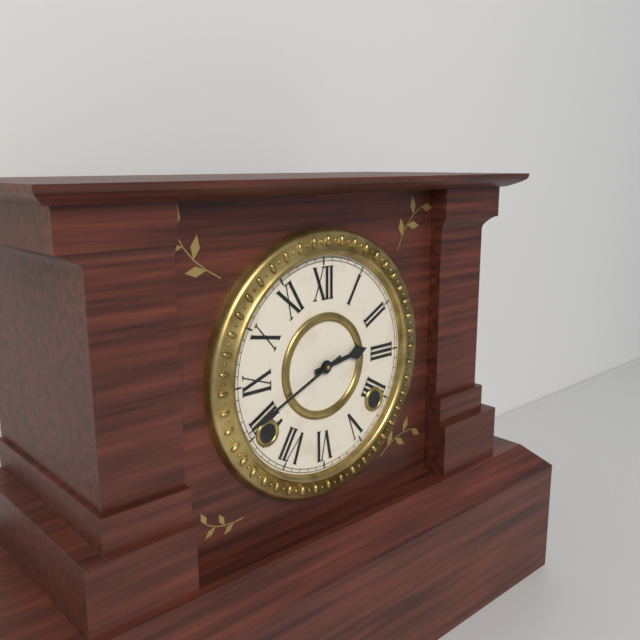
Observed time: 2h41
